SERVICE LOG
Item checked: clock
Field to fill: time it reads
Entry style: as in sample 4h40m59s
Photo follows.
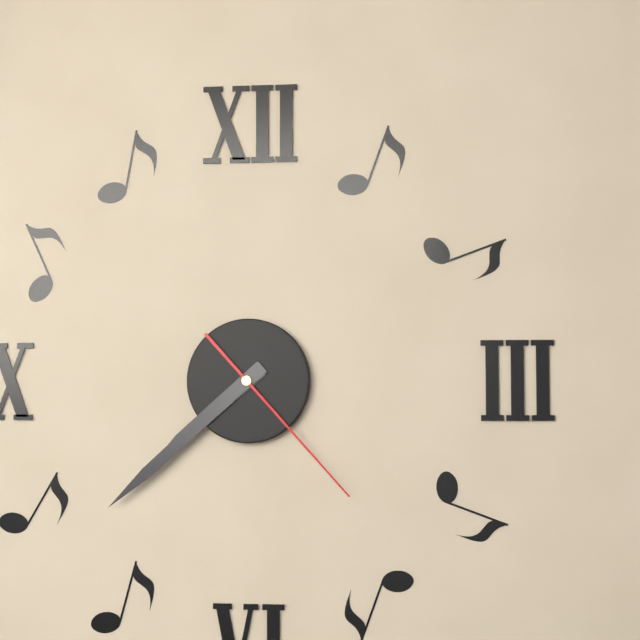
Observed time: 7h38m23s
